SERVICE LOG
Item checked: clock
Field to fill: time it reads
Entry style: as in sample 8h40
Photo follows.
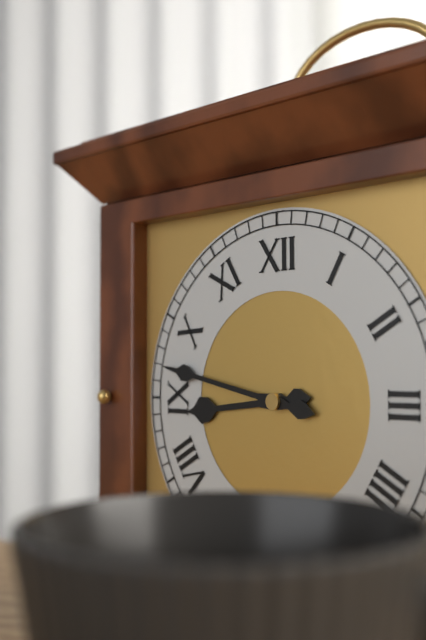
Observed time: 8h47
